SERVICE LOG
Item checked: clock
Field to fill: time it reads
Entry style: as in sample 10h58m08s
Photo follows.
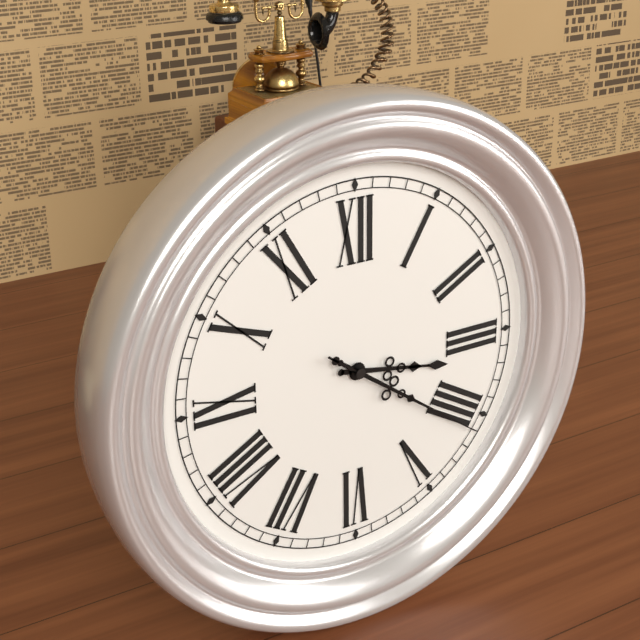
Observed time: 3h21m21s
